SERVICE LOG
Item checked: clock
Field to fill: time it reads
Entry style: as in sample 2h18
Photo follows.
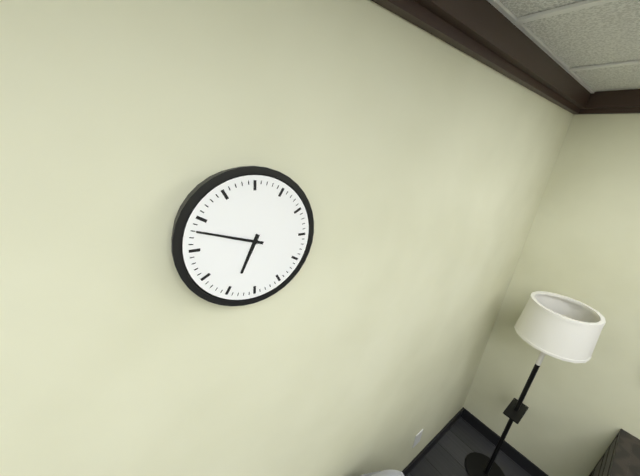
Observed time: 6h48
